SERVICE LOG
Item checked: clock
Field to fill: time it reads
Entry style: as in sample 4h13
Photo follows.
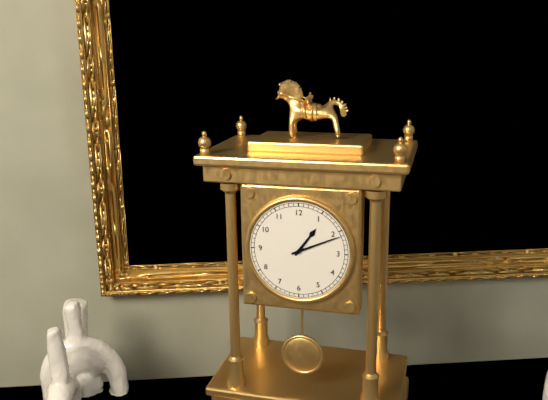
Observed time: 1h11
